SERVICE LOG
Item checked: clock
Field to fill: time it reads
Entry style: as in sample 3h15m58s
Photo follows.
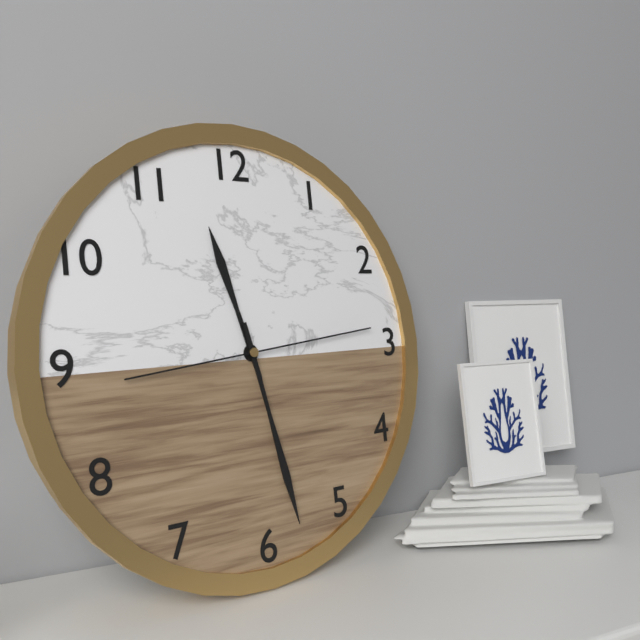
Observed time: 11h28m14s
